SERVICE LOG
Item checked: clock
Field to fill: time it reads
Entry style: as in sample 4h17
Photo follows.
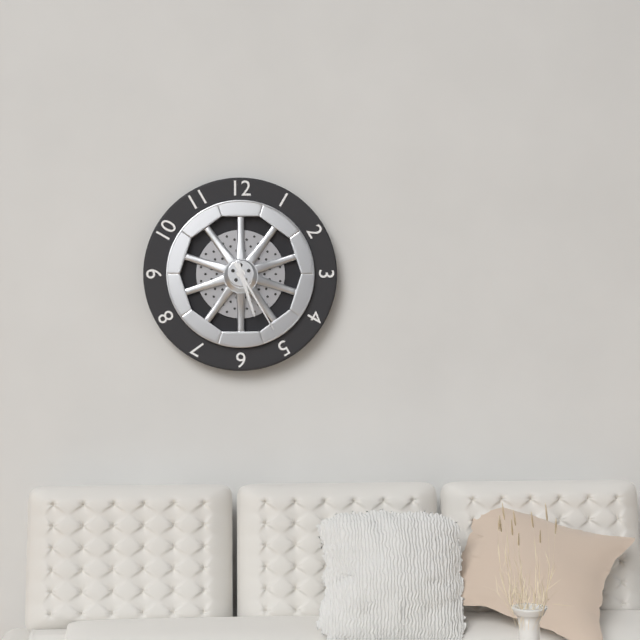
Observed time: 5h25
